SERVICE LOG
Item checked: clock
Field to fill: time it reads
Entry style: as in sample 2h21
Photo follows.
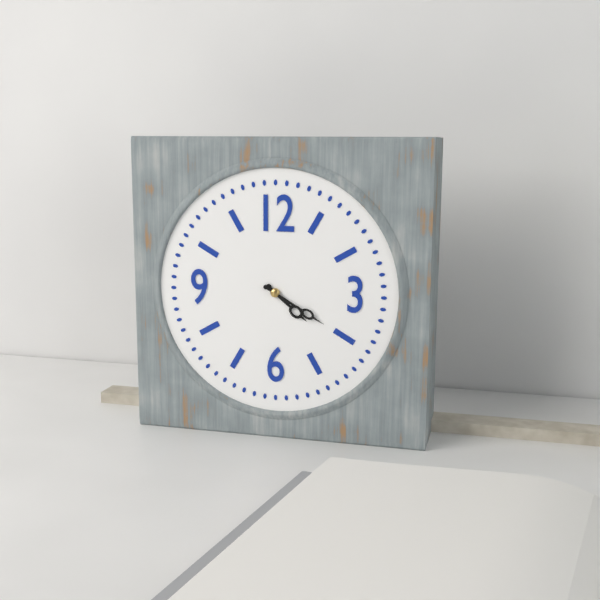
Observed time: 4h20
